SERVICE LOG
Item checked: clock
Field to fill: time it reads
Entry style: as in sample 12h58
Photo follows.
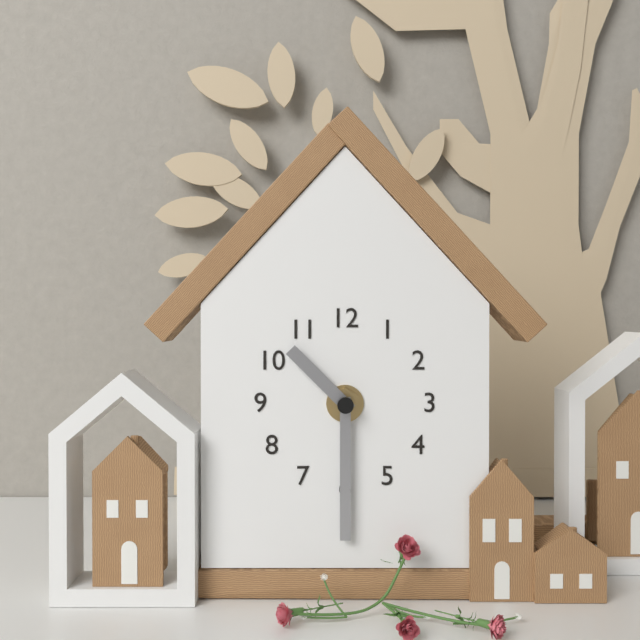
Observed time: 10h30
